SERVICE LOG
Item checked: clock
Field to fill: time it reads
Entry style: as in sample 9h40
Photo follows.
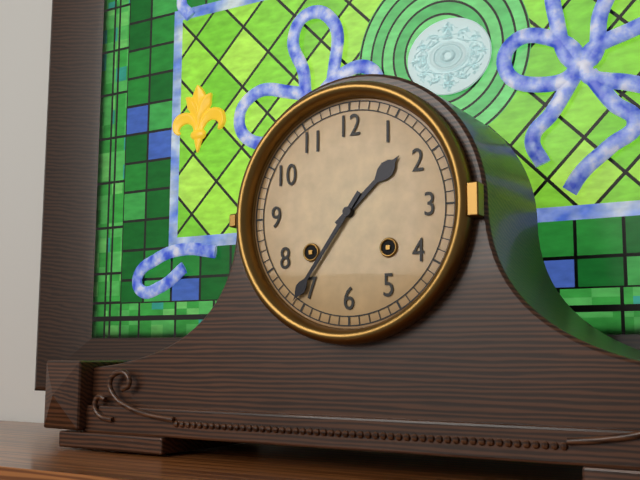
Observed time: 1h36
